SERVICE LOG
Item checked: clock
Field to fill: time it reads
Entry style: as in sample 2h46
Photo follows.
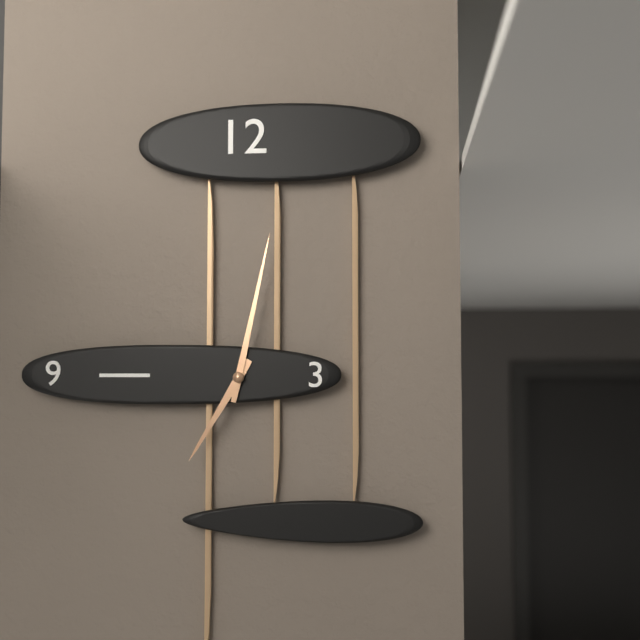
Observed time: 7h02
